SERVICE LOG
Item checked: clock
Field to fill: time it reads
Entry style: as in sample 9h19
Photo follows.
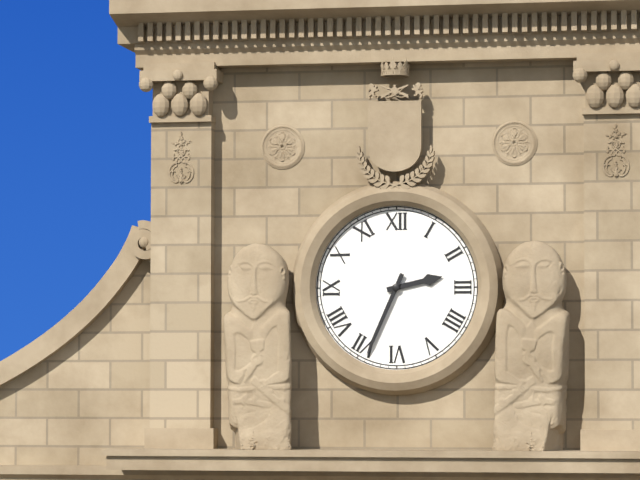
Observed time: 2h34
